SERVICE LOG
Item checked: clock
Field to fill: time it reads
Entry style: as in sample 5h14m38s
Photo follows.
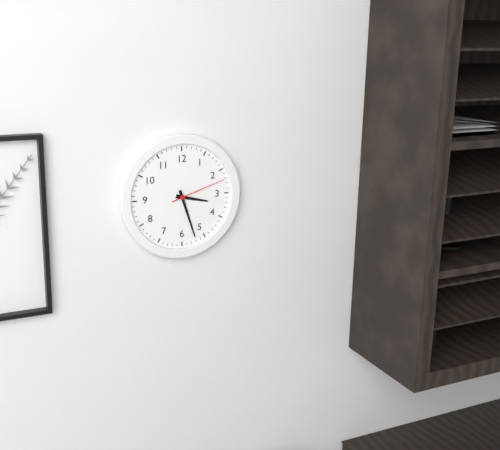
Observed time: 3h27m12s
